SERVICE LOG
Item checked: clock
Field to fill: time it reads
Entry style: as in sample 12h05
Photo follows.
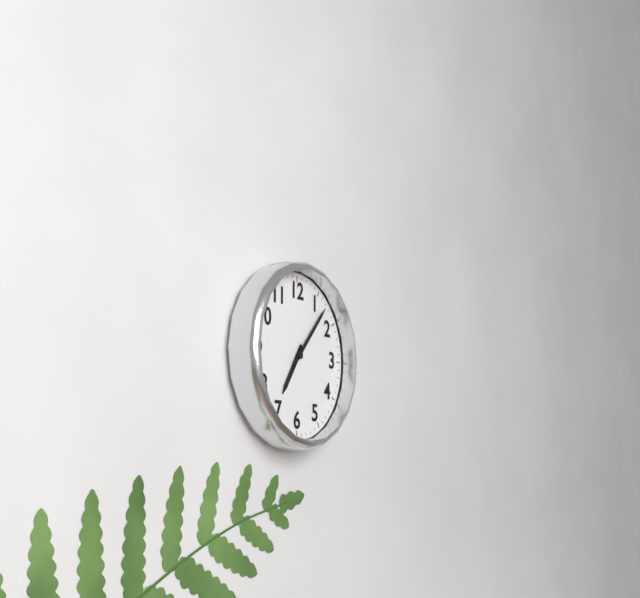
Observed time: 7h07
